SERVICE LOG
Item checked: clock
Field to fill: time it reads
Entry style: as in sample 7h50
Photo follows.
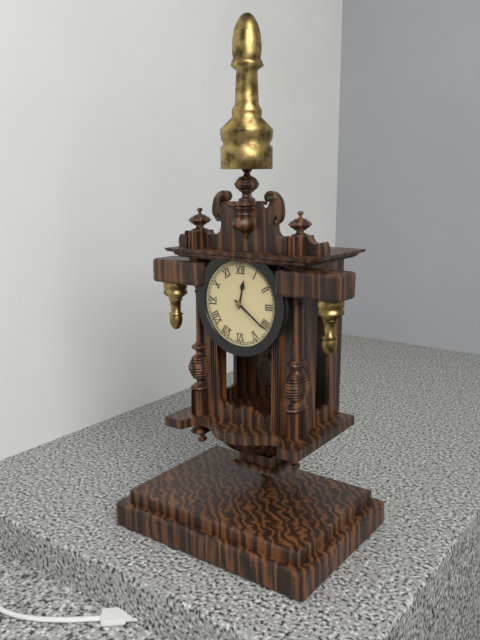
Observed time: 12h21
